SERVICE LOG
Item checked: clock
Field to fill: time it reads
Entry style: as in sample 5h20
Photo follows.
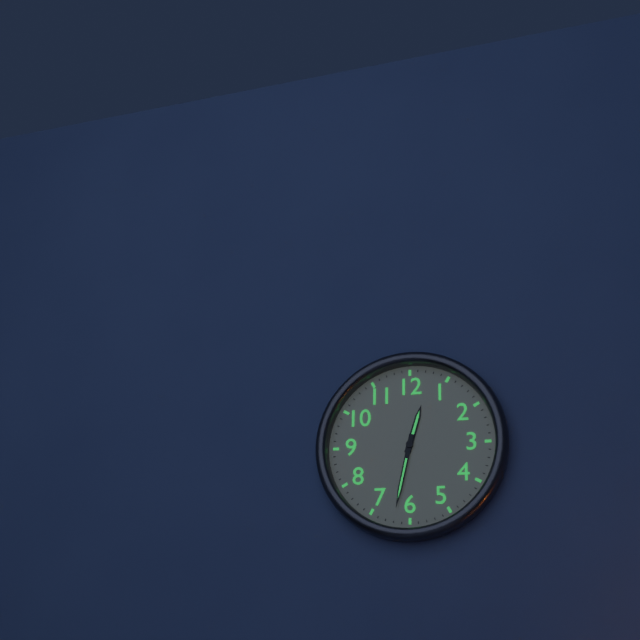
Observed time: 12h32
